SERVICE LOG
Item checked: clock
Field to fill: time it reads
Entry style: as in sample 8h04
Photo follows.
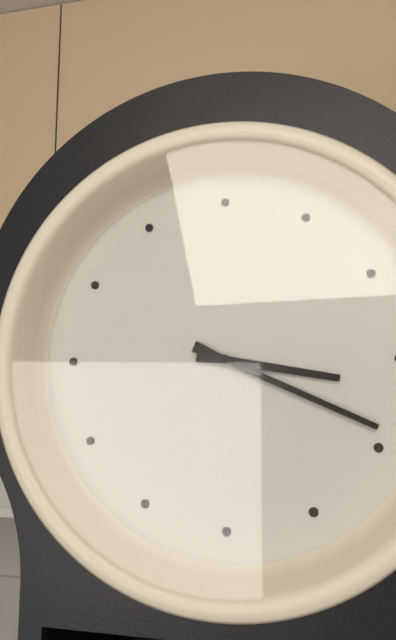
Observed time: 3h19
